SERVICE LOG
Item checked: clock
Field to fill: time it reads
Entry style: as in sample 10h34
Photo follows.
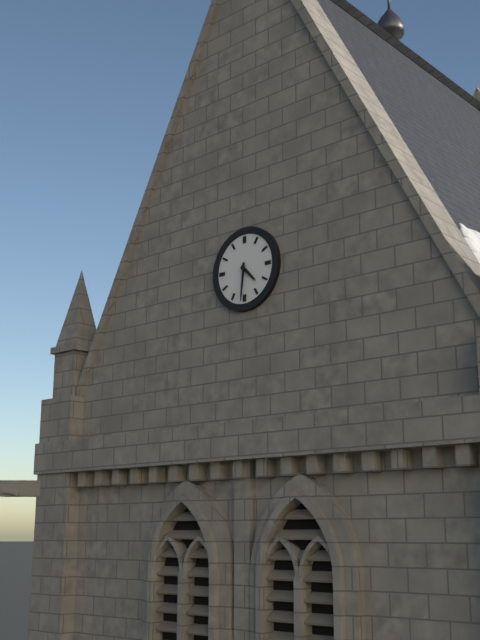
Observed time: 4h31
